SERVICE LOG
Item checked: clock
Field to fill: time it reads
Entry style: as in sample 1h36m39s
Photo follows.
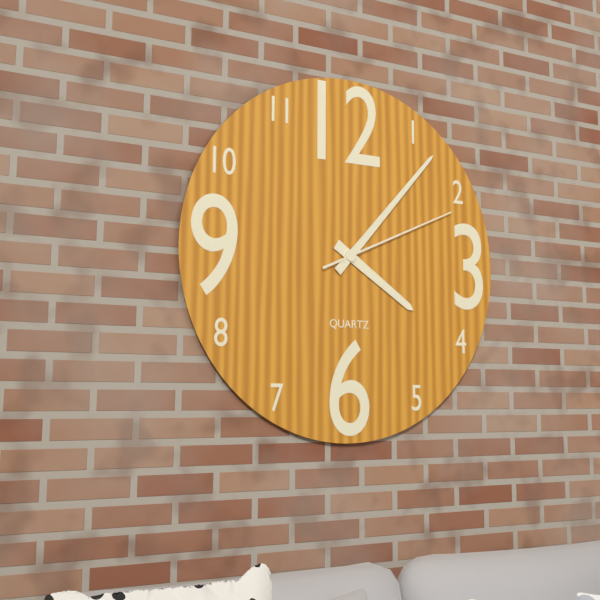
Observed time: 4h07m11s
